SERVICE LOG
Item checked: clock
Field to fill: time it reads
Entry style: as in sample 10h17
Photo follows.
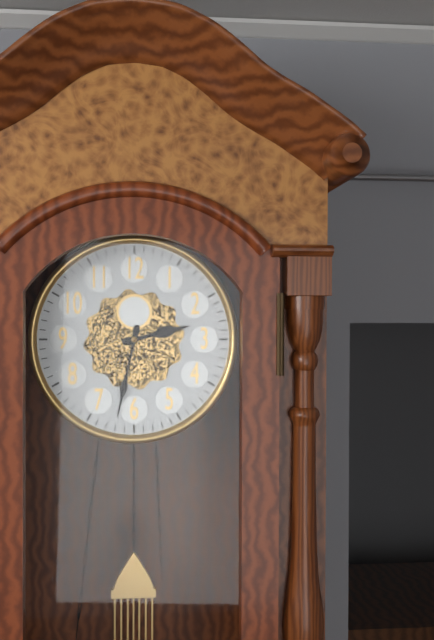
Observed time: 2h32
